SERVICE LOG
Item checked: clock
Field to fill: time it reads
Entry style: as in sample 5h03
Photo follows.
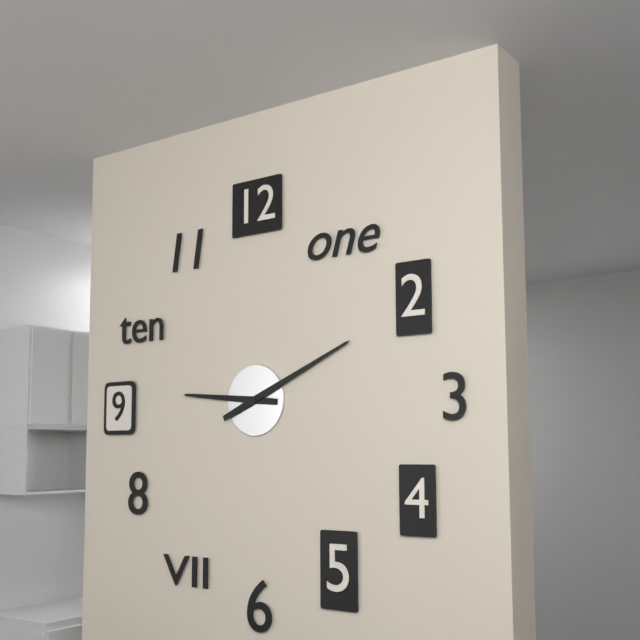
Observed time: 9h11
